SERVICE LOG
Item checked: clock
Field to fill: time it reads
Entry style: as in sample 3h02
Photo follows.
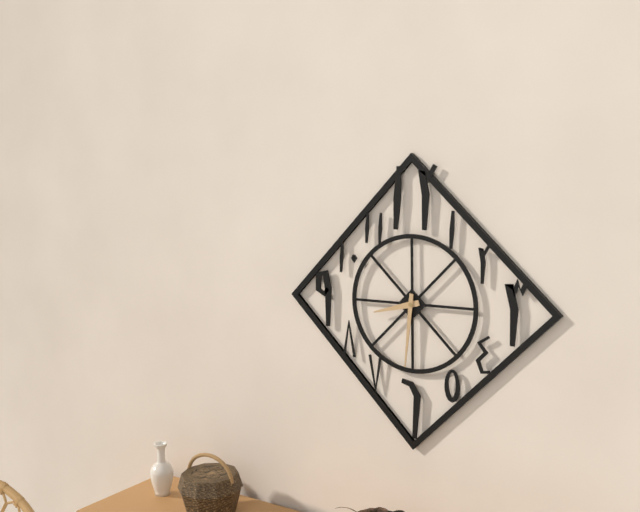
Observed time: 8h31
